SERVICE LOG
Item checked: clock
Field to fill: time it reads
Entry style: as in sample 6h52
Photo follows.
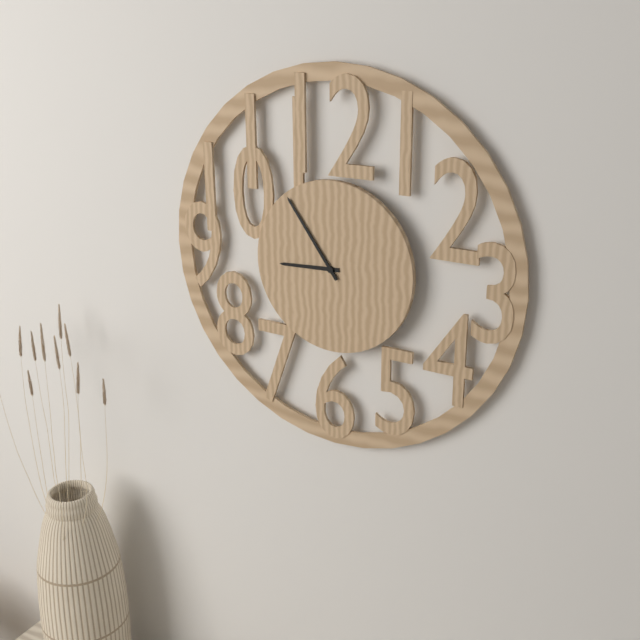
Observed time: 8h54
